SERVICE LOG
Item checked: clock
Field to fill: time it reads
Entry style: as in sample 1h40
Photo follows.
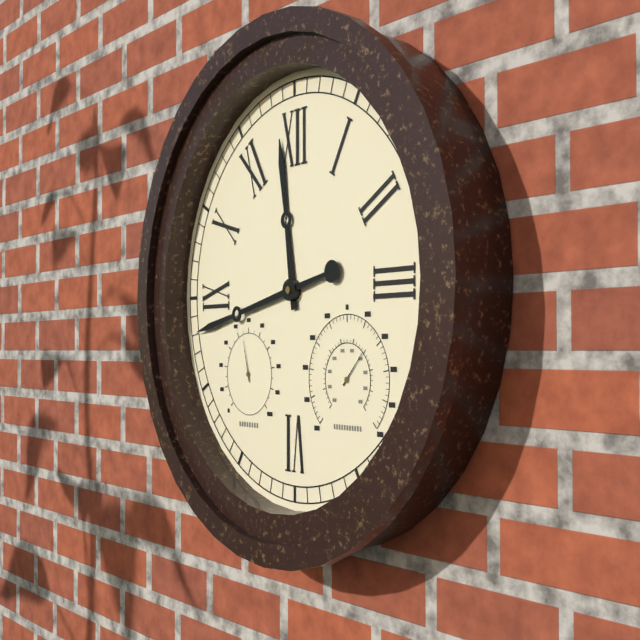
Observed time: 11h43
